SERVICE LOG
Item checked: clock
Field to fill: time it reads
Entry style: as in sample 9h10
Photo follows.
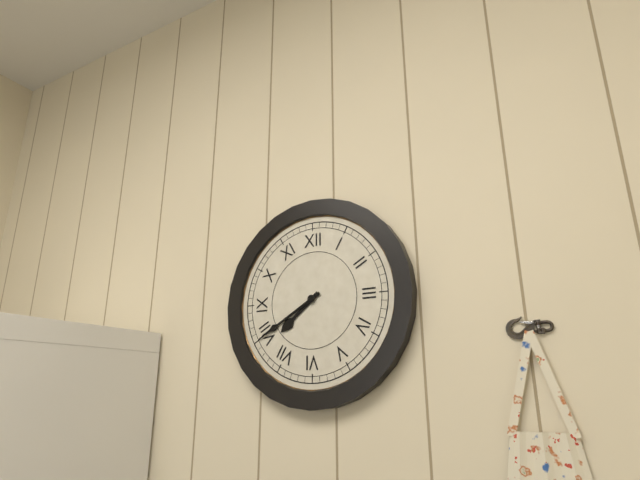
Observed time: 7h40
